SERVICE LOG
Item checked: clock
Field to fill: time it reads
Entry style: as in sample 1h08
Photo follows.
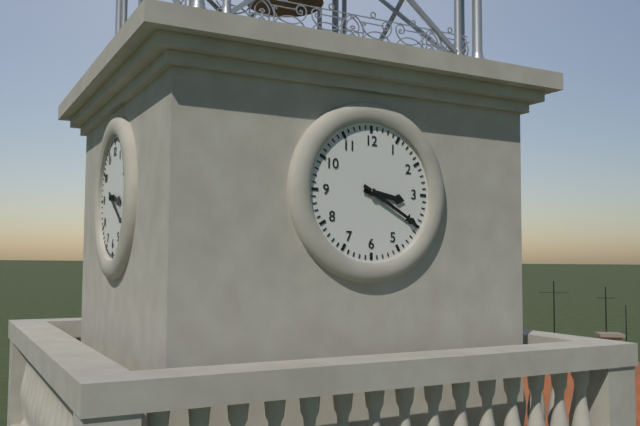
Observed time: 3h20
